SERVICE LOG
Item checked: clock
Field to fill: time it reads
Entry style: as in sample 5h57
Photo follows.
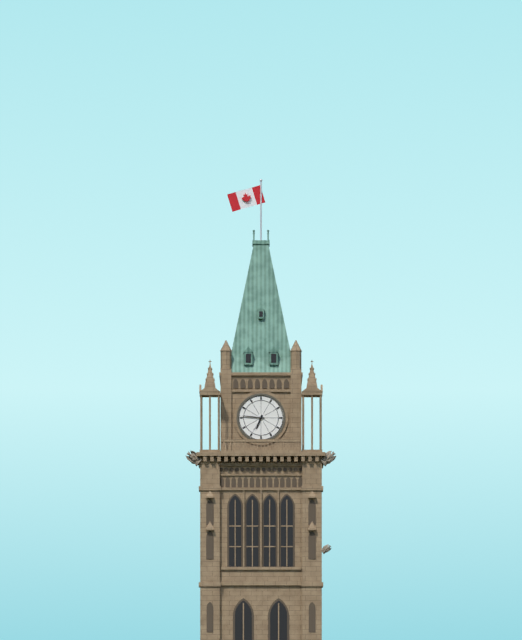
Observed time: 6h46
